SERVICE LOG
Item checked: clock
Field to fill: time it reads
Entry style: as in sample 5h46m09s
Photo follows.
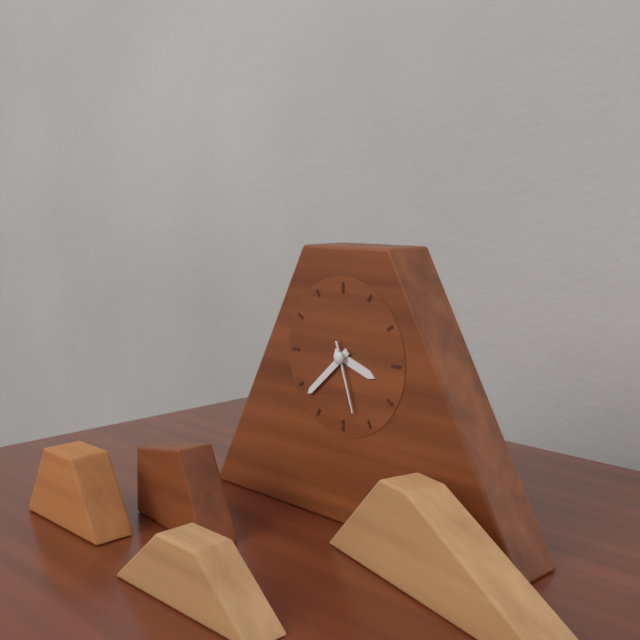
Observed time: 3h38m27s
